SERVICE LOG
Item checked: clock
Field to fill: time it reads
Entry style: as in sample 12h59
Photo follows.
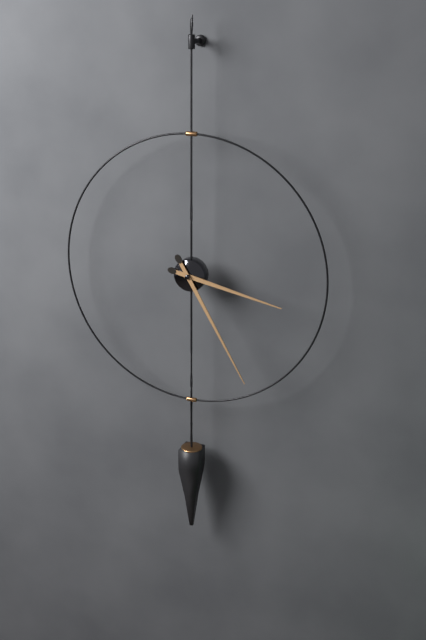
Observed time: 3h25
